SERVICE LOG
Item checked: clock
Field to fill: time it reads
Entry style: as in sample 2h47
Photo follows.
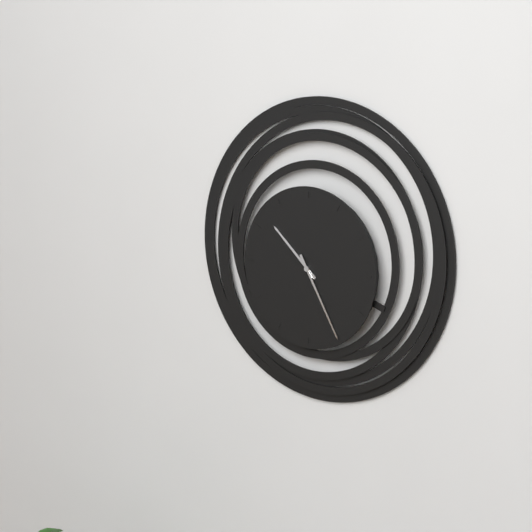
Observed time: 10h25
